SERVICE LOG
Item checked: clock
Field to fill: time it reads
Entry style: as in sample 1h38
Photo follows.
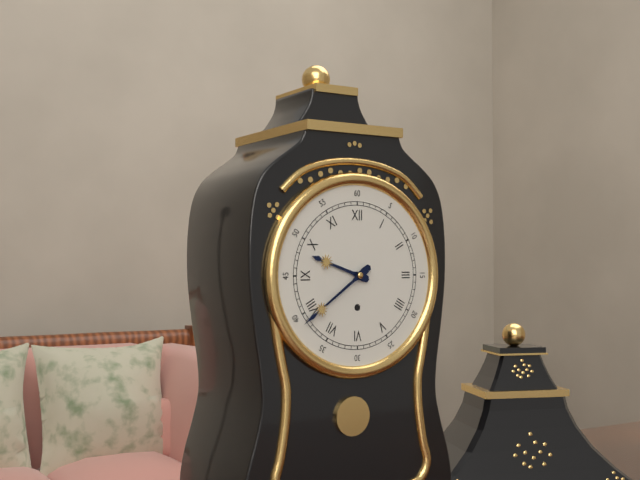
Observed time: 9h39
